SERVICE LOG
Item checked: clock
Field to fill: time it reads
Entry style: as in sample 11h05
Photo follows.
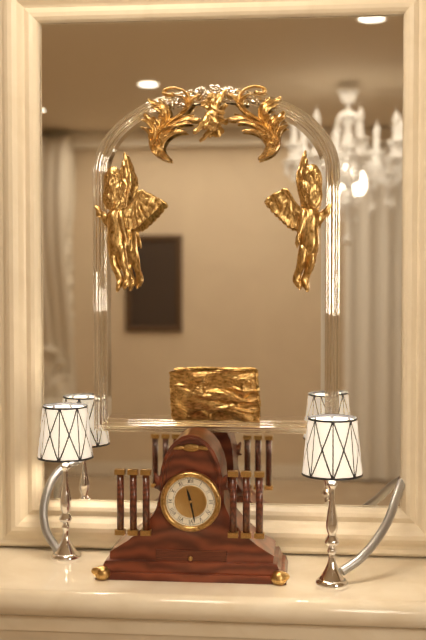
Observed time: 11h28
